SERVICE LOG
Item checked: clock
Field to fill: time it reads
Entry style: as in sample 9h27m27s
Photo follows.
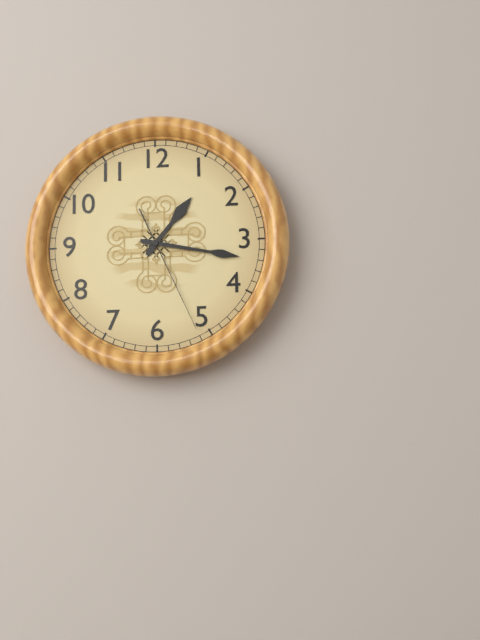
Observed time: 1h17m26s
